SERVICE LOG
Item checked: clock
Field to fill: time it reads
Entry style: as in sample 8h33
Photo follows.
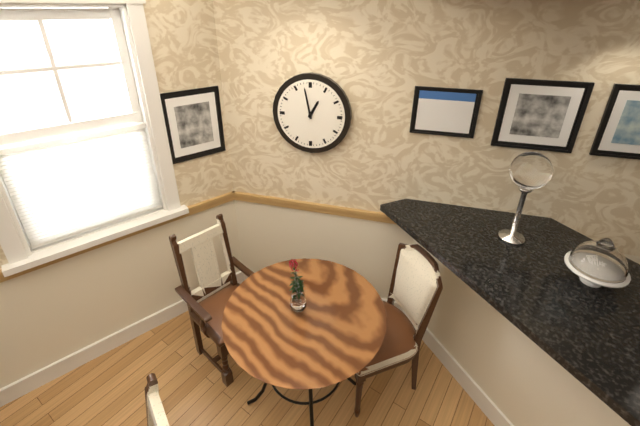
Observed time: 12h58
